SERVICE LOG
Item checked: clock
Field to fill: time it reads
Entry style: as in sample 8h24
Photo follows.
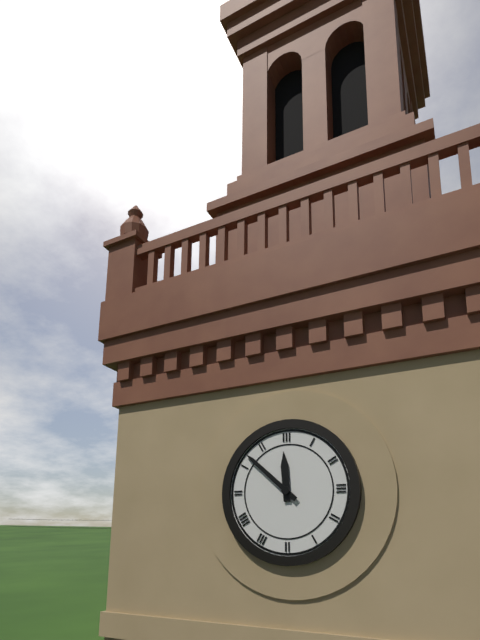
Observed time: 11h52
